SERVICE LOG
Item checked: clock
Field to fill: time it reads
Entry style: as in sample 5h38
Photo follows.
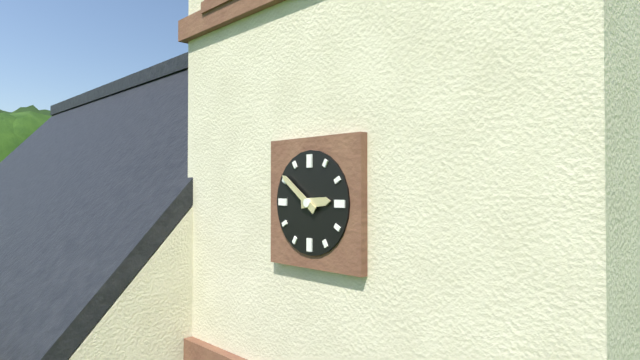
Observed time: 2h51
